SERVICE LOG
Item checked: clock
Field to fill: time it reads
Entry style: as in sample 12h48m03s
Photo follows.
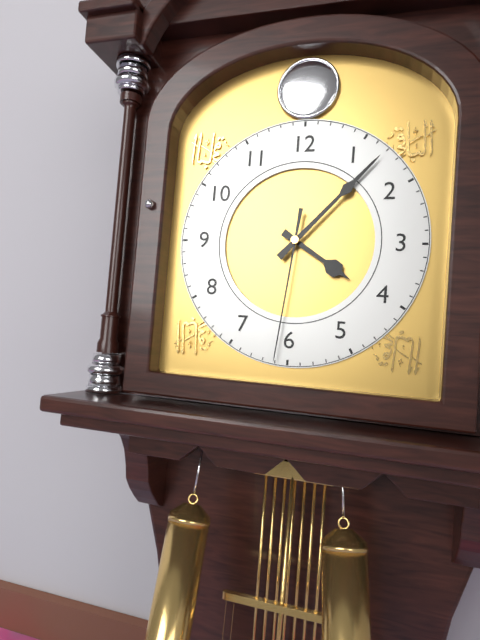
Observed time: 4h07m31s
